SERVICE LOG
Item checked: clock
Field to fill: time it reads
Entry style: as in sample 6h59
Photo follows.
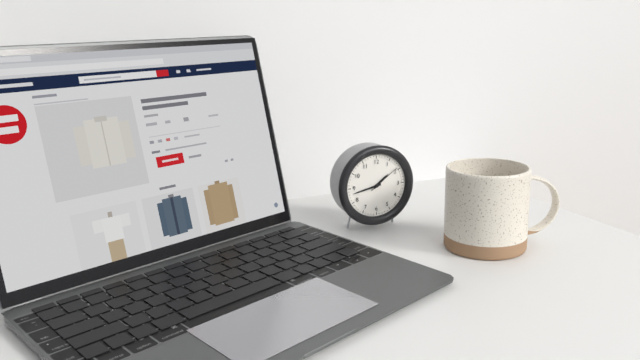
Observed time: 1h43
